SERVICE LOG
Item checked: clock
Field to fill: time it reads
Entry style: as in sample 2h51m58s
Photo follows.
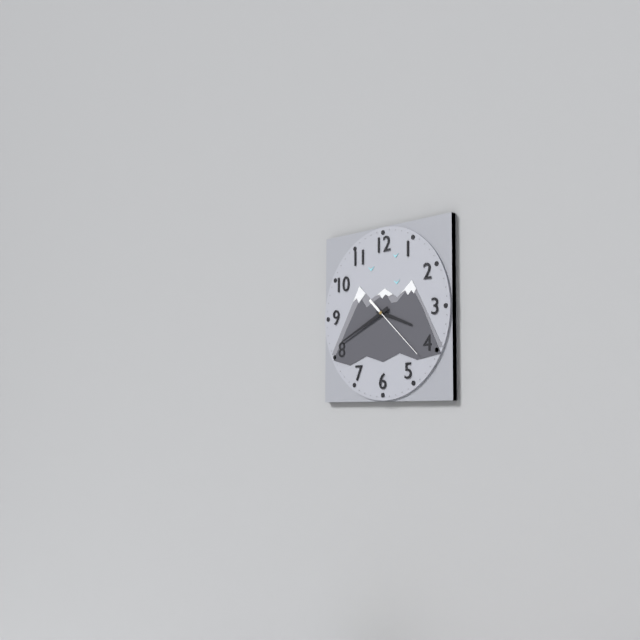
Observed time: 3h41m22s
